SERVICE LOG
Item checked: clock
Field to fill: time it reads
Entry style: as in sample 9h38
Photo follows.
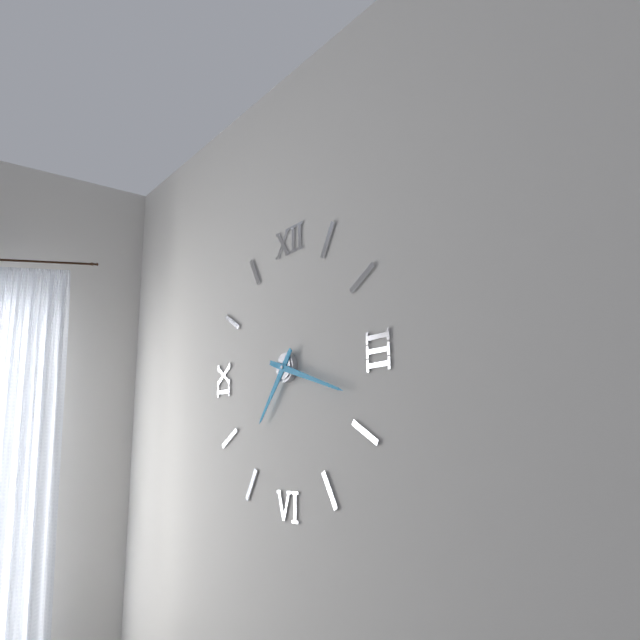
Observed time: 7h18
